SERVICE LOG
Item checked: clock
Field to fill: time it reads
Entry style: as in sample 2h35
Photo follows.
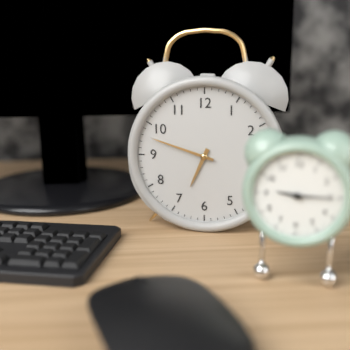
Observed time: 6h48
